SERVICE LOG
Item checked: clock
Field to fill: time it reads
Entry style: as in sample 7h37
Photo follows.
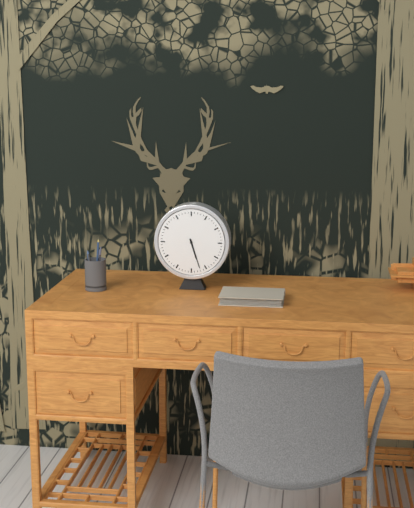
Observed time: 5h27
